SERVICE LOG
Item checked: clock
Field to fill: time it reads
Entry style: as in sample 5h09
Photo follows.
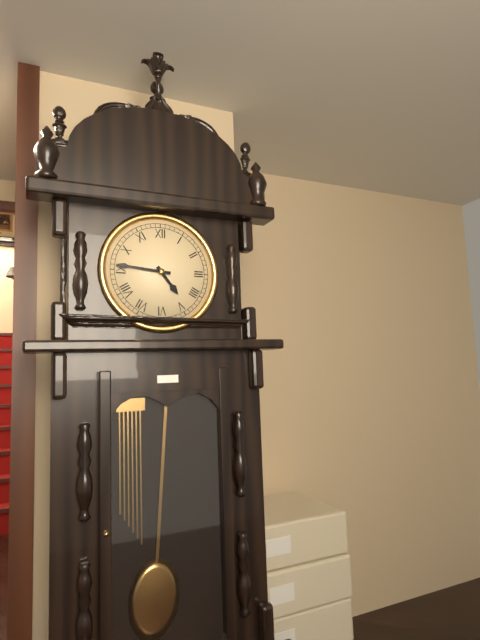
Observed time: 4h46
